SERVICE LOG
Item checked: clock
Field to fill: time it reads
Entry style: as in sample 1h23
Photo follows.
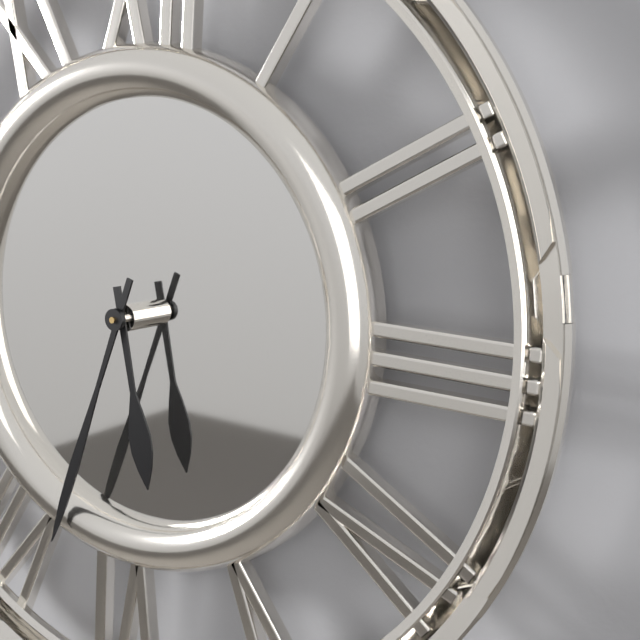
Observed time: 5h33
